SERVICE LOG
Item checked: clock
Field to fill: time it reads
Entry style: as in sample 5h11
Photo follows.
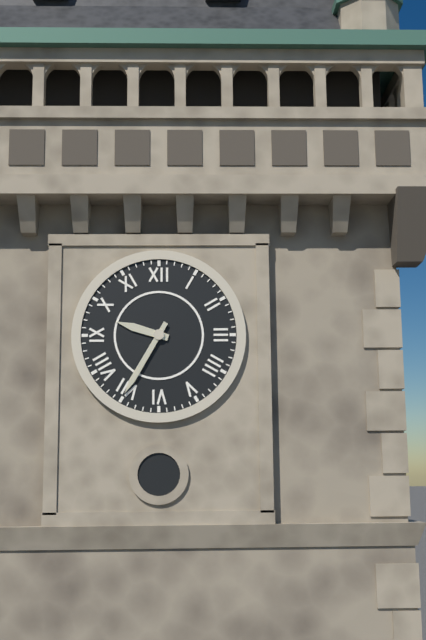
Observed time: 9h35
